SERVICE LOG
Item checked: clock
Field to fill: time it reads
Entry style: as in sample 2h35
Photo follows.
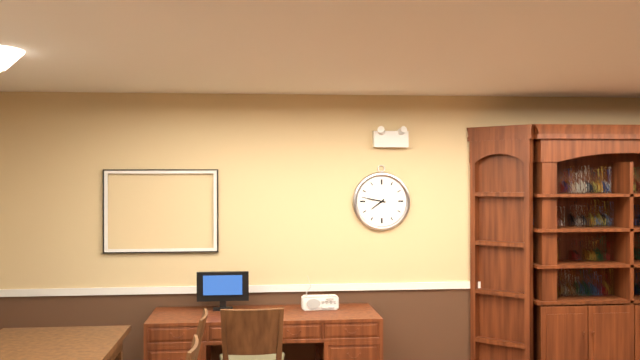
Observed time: 7h47
